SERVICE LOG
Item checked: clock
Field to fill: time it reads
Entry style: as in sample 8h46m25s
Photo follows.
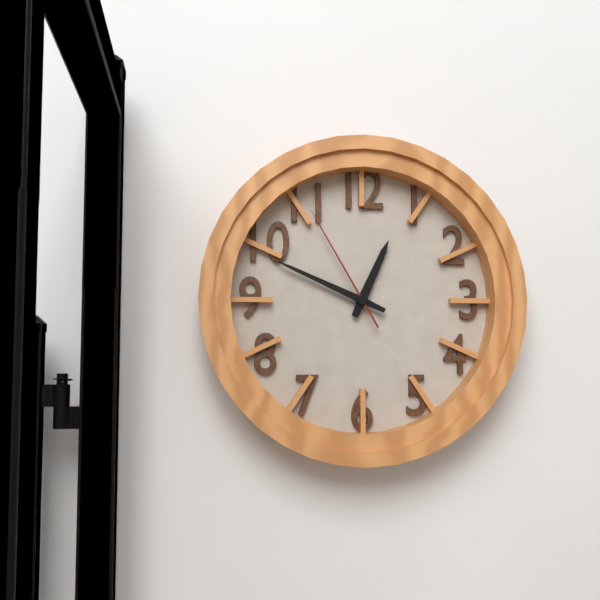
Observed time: 12h49m55s
